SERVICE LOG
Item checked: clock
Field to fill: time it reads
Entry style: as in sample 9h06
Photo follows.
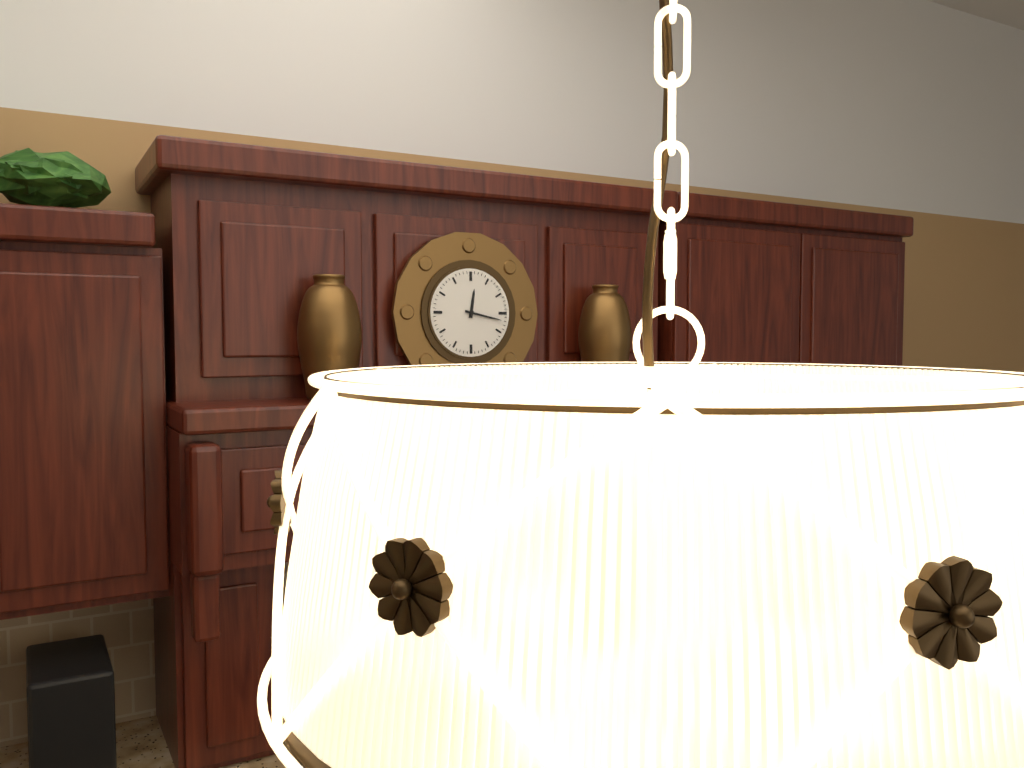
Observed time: 12h17
